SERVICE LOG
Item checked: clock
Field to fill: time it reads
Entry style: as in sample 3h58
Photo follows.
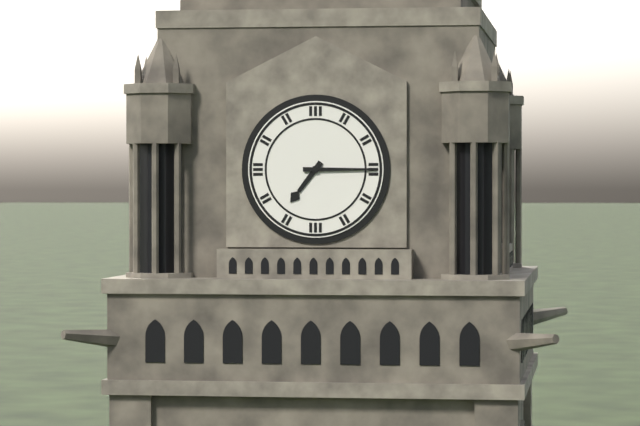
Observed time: 7h15
